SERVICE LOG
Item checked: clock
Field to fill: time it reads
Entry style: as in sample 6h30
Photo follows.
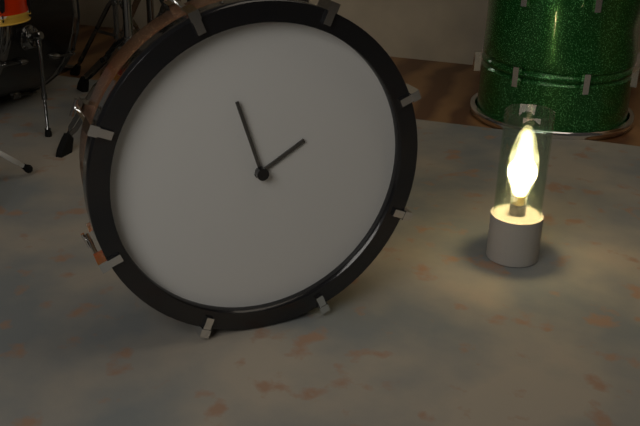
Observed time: 1h57
